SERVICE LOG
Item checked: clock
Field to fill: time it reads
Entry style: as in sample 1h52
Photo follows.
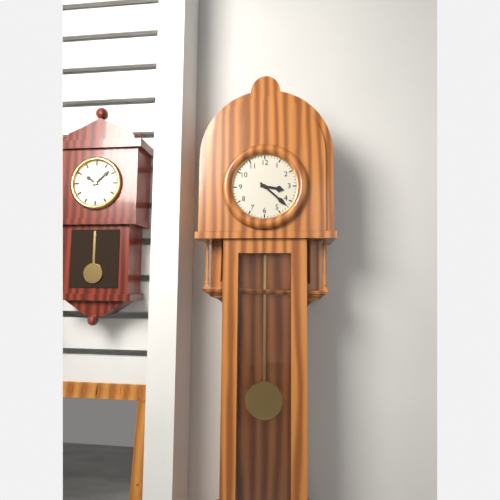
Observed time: 3h22
